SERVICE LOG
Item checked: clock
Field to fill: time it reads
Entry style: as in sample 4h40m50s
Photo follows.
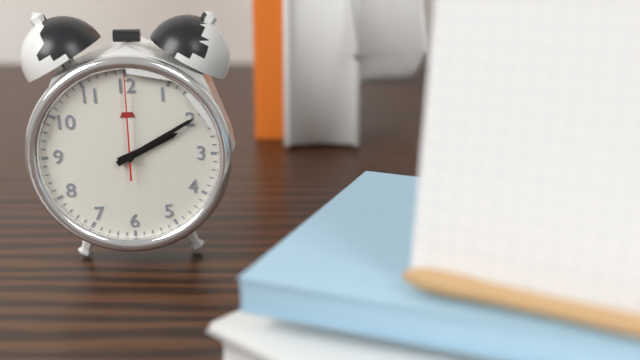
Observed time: 2h10m00s
